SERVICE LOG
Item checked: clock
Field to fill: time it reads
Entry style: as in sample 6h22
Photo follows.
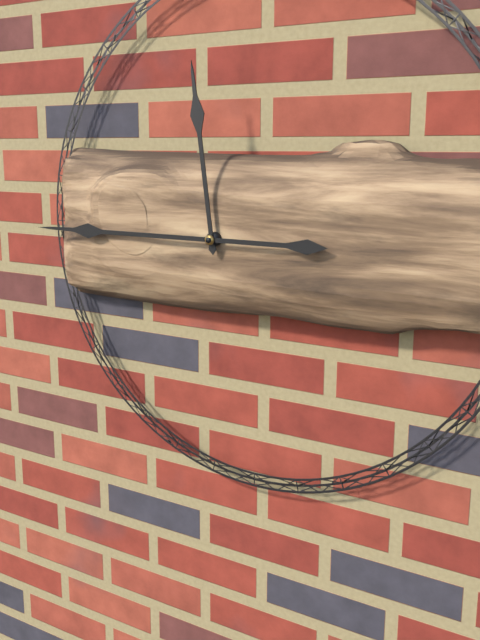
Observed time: 11h45
